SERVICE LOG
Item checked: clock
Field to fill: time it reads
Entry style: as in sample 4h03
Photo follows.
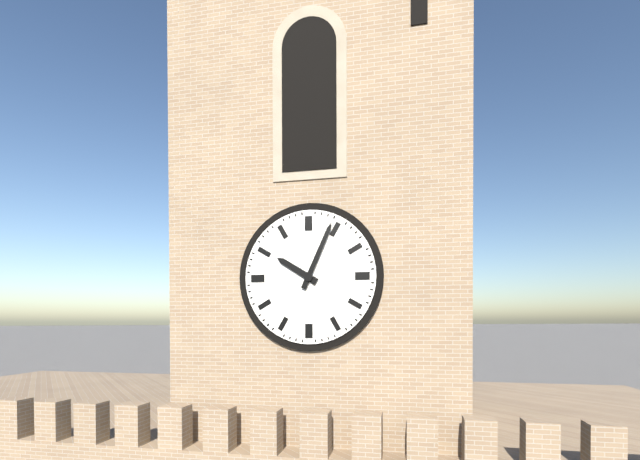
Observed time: 10h04
